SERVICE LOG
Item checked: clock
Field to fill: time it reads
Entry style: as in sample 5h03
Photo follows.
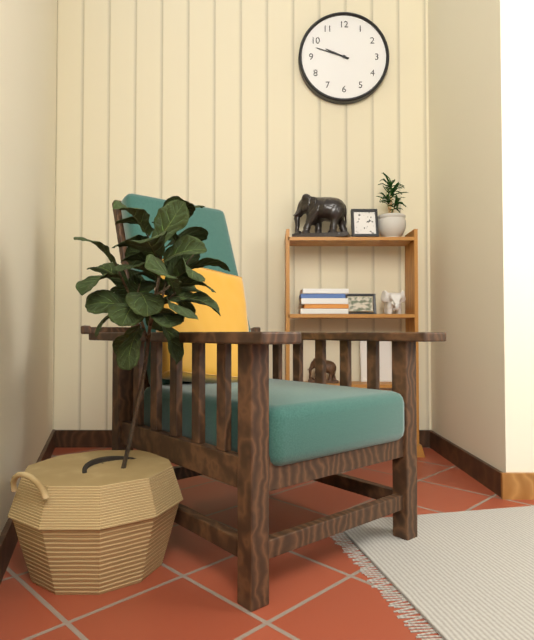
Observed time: 9h48
